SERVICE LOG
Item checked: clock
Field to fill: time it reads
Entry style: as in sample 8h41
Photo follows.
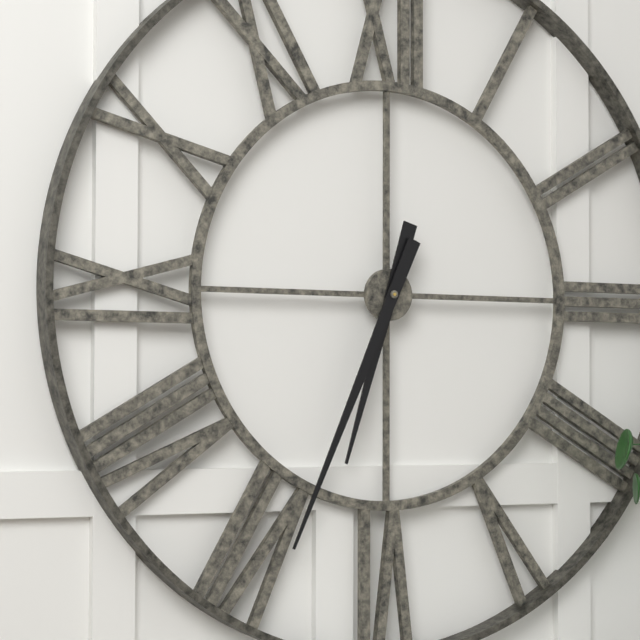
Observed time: 6h34
